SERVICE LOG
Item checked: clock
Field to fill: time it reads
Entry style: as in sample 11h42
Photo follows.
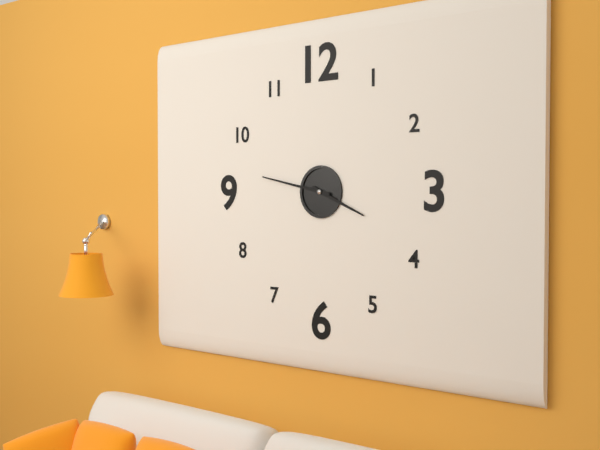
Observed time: 3h47
